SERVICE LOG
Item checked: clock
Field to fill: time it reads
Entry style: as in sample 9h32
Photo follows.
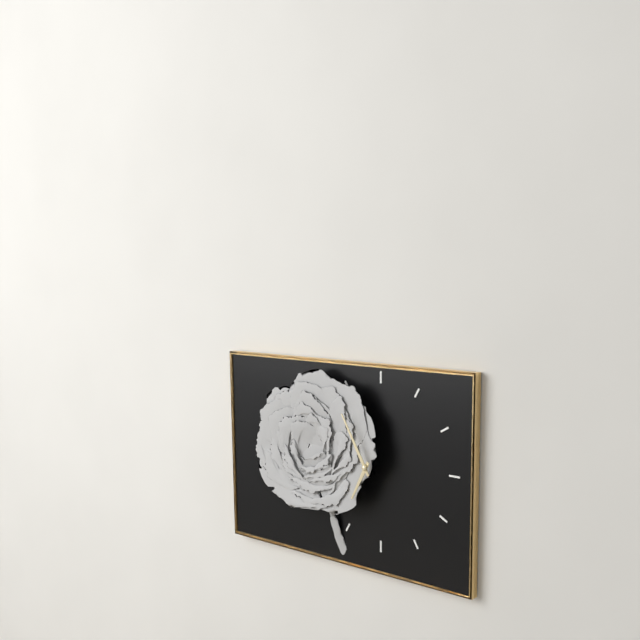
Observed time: 6h55
